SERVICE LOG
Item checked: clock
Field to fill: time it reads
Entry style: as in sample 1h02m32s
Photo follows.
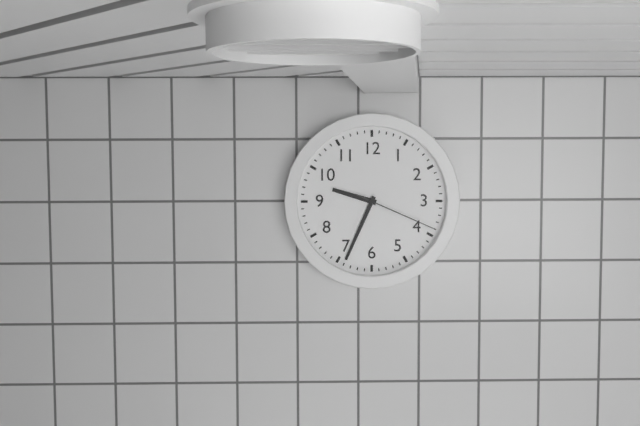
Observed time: 9h34m19s
